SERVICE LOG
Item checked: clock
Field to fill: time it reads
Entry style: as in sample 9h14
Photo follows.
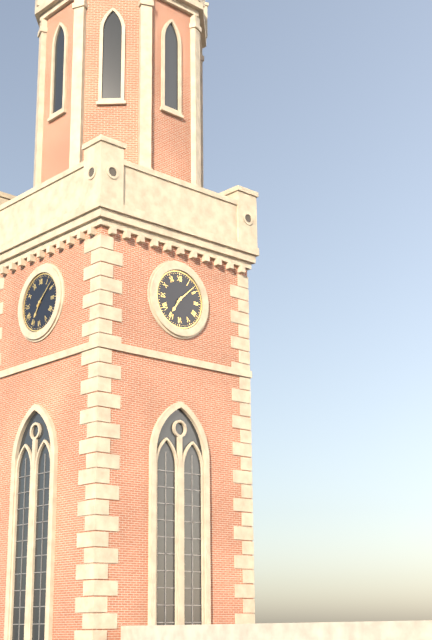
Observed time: 7h08
